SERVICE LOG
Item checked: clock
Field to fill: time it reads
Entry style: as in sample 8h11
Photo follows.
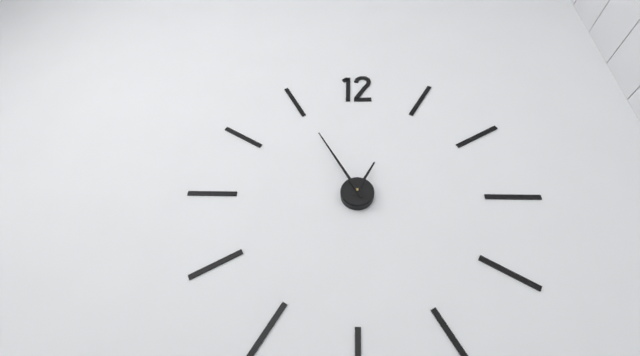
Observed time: 12h55
